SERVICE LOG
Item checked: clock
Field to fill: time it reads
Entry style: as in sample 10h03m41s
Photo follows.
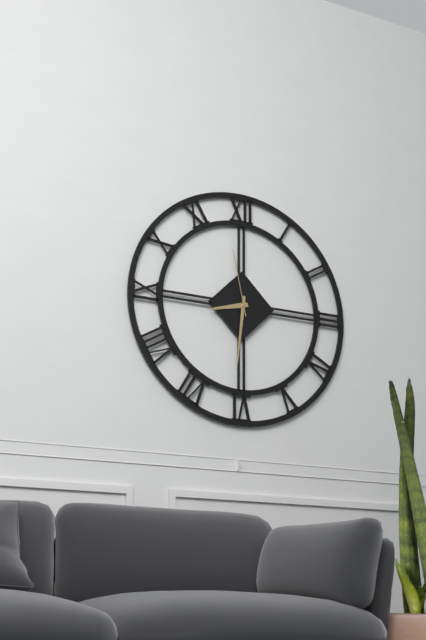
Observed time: 8h31m58s
